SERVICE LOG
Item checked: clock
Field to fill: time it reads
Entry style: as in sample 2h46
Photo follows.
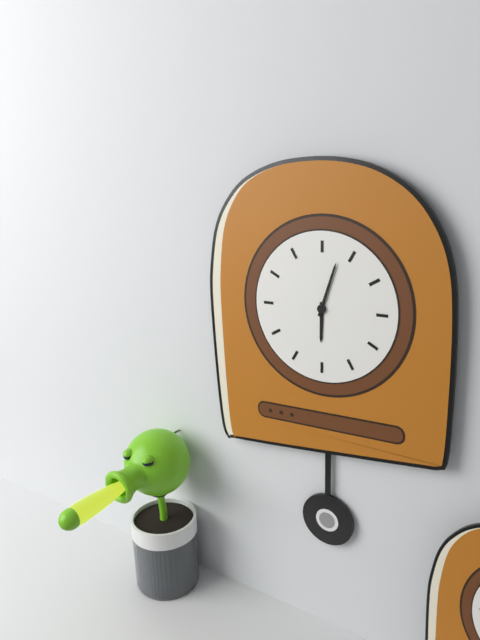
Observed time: 6h03
